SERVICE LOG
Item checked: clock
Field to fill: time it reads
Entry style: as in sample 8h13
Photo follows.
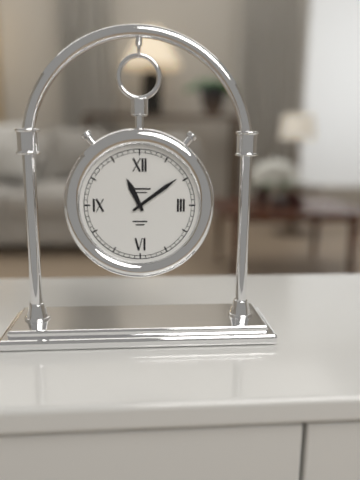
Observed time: 11h09
